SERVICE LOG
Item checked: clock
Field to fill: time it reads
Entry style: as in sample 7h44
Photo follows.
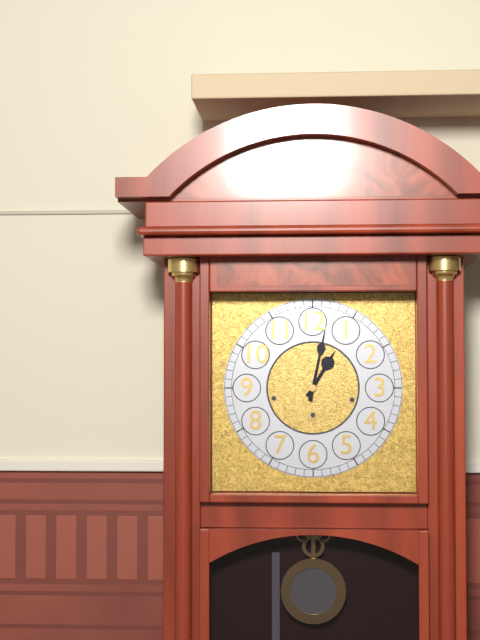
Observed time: 1h02
